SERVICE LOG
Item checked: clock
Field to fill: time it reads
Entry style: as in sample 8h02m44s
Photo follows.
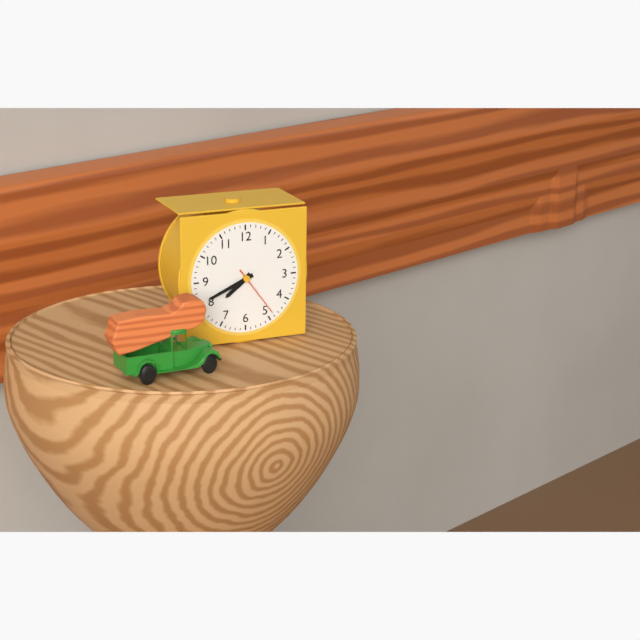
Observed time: 7h41m24s
